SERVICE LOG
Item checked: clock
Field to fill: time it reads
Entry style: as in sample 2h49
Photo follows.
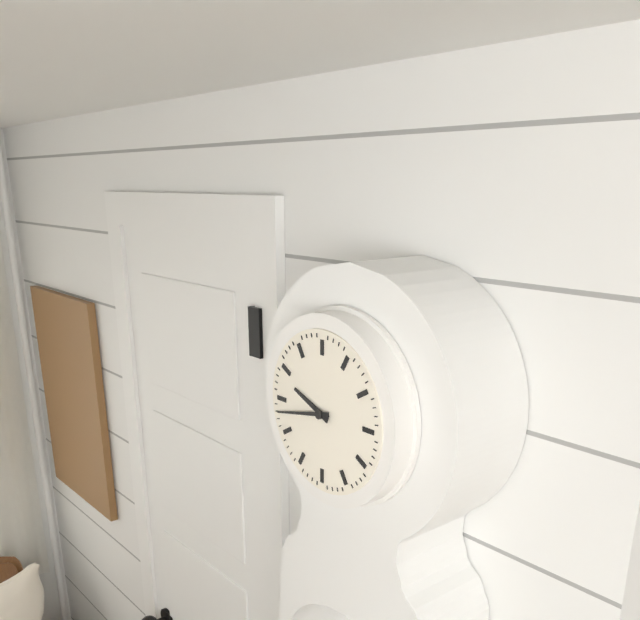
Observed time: 9h43
